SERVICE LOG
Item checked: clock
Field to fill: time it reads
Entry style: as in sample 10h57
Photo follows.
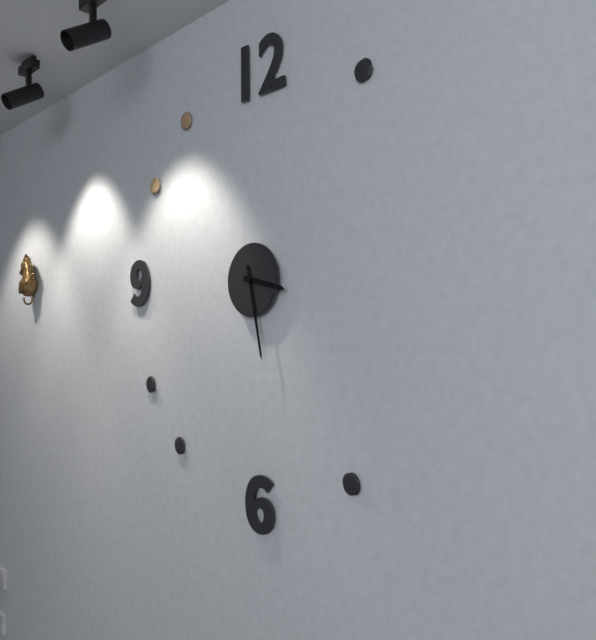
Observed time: 3h28
